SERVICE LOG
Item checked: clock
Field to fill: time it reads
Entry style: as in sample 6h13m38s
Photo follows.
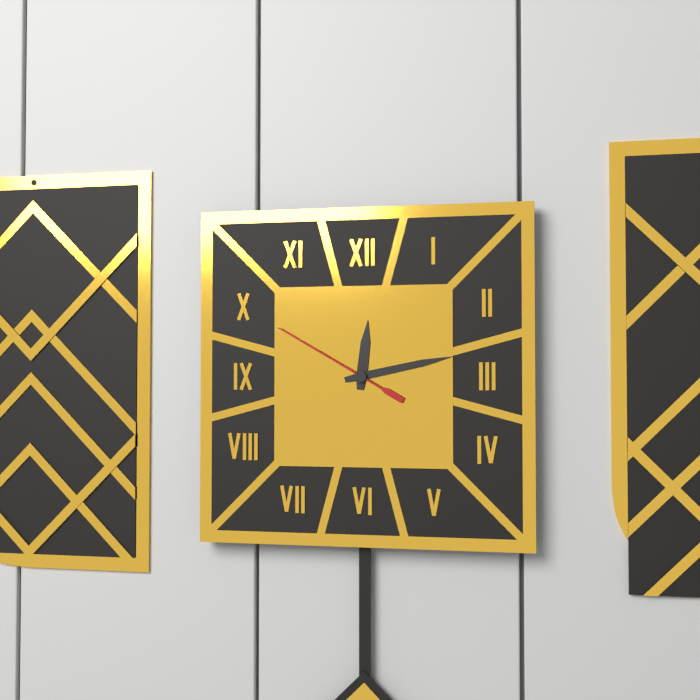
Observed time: 12h13m50s
